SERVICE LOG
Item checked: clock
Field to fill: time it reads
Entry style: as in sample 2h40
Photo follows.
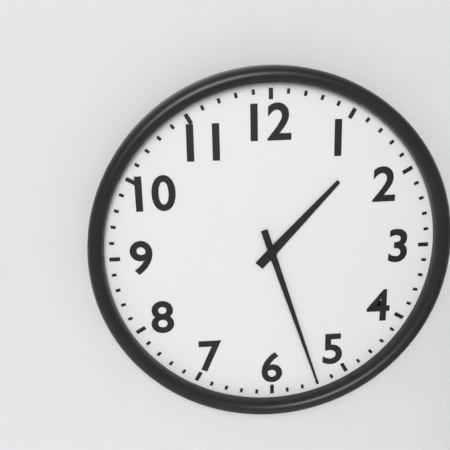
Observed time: 1h27
